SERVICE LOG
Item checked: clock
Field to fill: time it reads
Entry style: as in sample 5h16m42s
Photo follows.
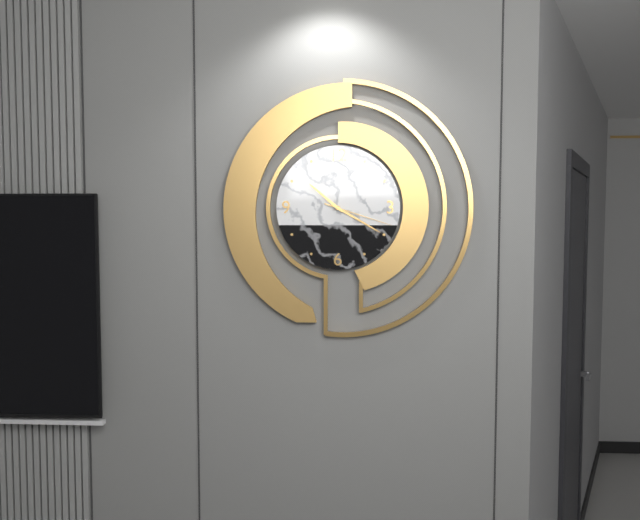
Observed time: 10h20m18s
